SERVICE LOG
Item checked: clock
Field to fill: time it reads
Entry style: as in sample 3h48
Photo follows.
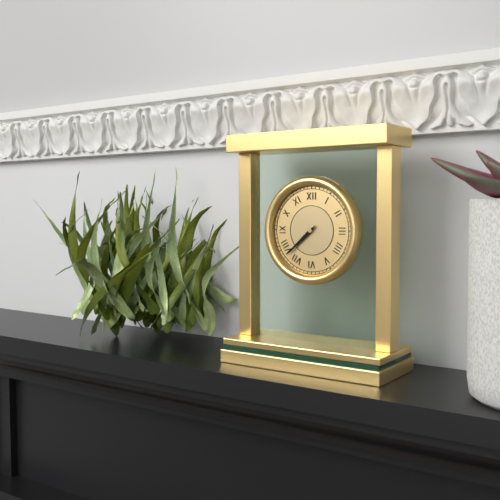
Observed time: 7h38
